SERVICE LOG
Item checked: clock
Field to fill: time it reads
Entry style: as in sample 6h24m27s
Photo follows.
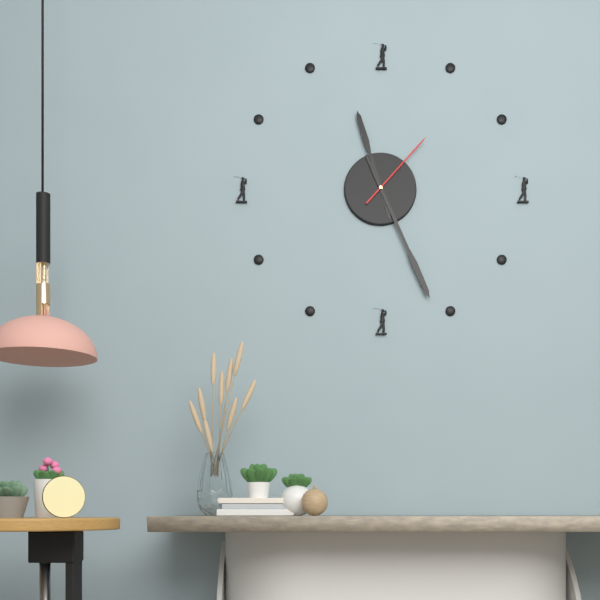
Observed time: 11h26m07s
